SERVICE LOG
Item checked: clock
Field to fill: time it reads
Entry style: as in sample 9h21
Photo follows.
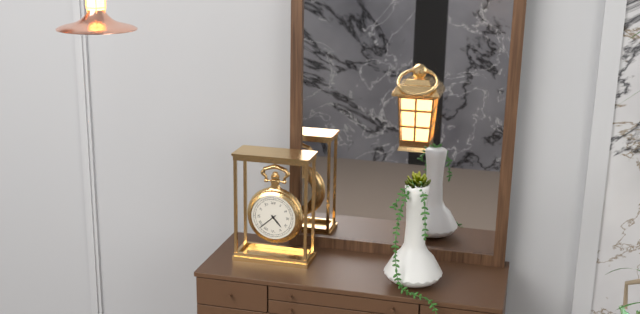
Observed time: 4h38
